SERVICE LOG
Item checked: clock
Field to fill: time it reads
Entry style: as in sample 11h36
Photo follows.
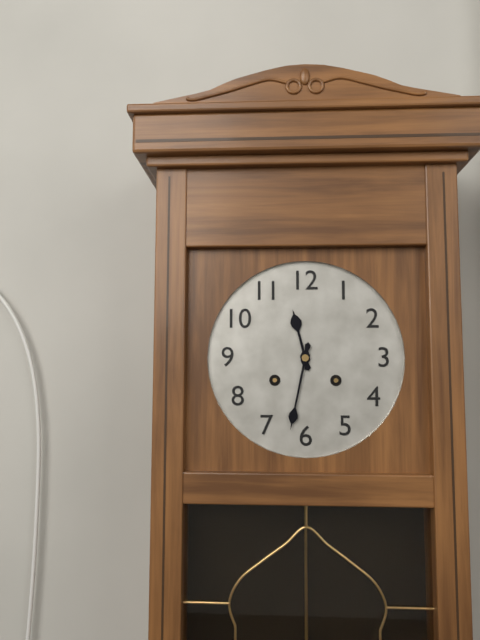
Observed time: 11h32
